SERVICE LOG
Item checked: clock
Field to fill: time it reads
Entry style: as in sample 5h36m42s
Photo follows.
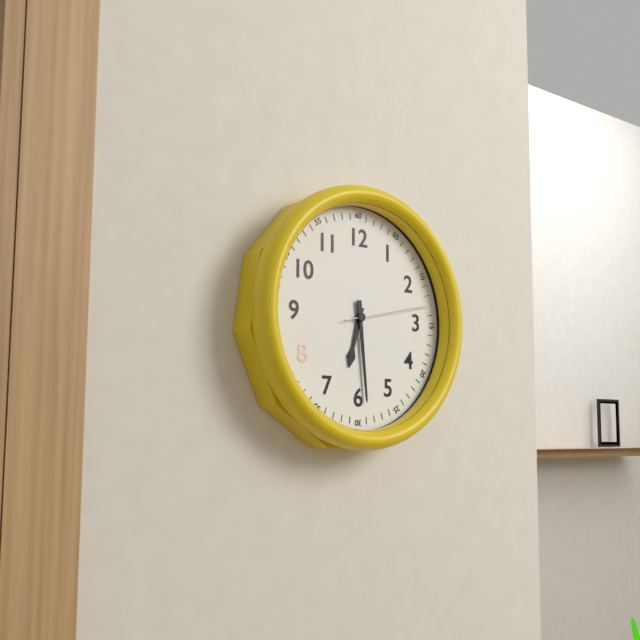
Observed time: 6h29m13s
